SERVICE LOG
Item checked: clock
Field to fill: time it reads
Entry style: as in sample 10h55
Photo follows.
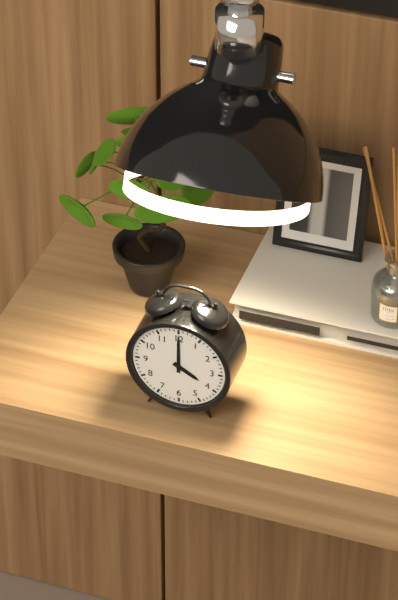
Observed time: 4h00
